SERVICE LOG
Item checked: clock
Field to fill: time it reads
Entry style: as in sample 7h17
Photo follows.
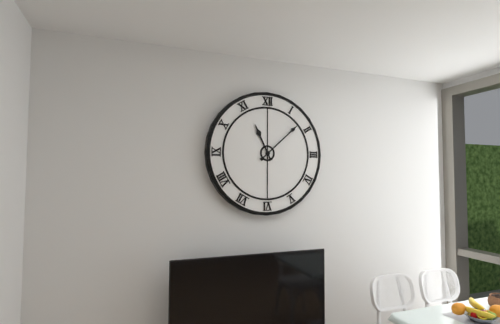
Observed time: 11h08
